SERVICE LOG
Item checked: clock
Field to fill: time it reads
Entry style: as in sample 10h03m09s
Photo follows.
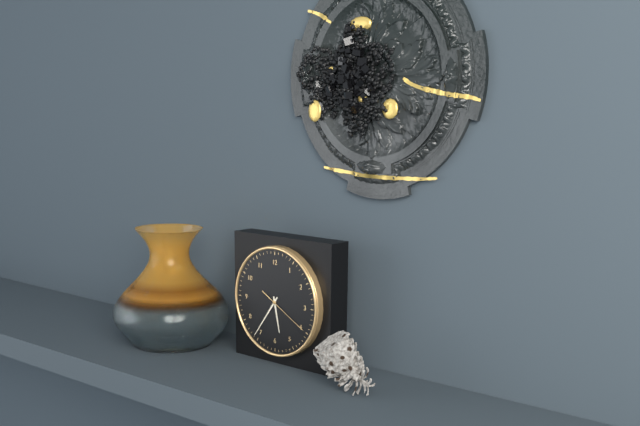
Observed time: 5h36m20s
